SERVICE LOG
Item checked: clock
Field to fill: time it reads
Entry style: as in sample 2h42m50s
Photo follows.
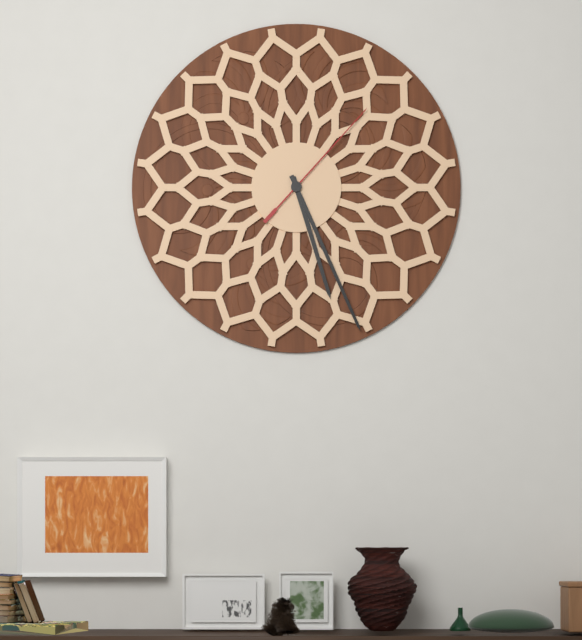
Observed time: 5h26m07s
